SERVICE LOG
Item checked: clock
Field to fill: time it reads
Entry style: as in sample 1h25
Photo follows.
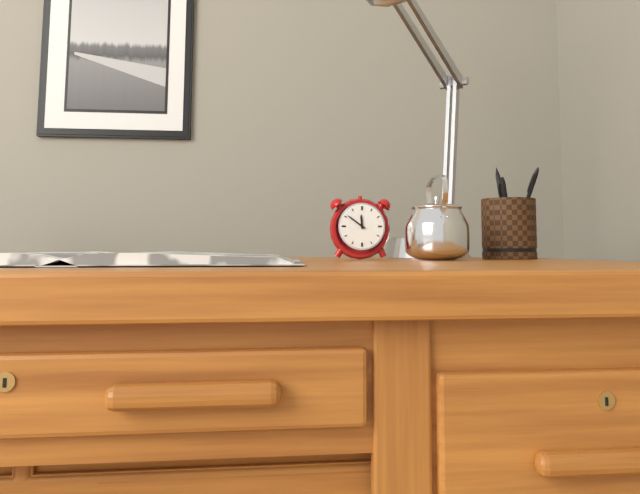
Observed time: 11h51
